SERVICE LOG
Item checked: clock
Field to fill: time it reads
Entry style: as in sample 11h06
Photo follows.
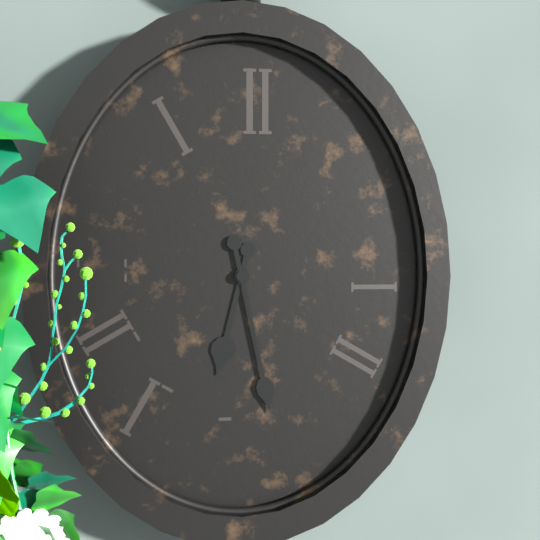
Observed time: 6h28
